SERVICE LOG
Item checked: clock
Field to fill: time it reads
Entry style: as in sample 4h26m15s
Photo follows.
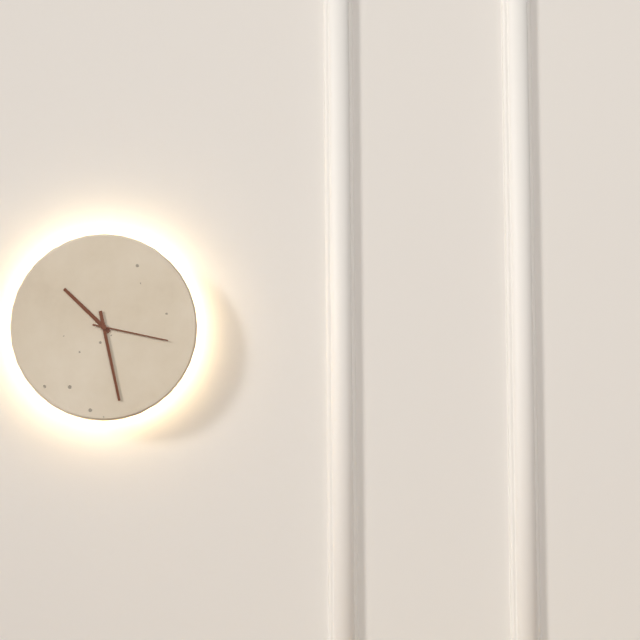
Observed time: 10h28m17s
